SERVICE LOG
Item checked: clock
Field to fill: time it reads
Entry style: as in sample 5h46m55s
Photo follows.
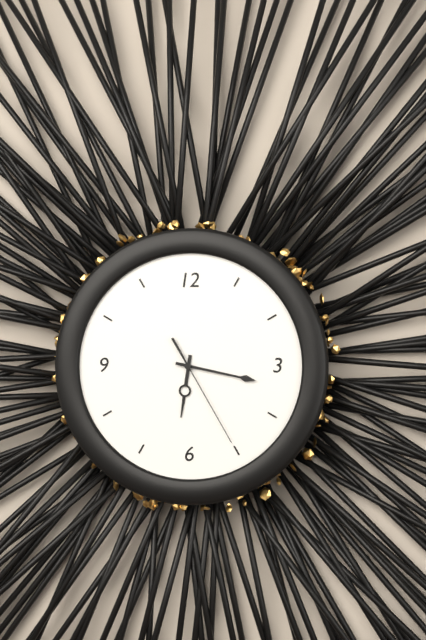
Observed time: 6h17m25s
